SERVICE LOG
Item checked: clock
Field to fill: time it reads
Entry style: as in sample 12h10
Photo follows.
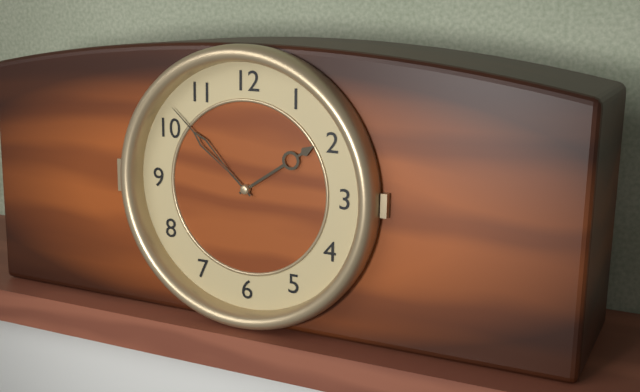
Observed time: 1h52
